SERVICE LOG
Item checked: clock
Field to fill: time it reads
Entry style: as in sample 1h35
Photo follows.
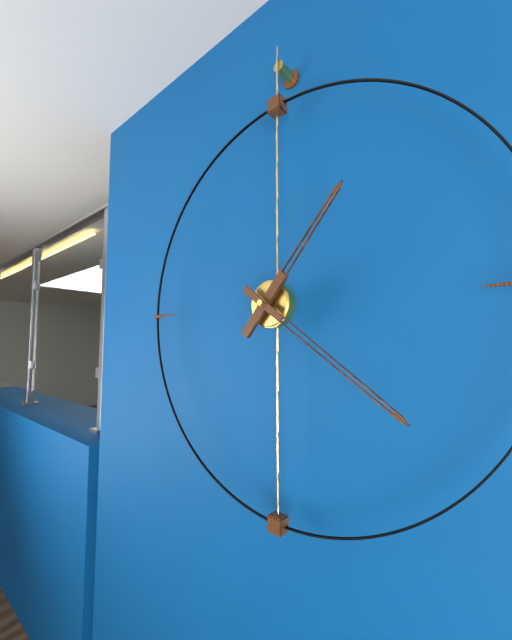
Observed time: 1h21
